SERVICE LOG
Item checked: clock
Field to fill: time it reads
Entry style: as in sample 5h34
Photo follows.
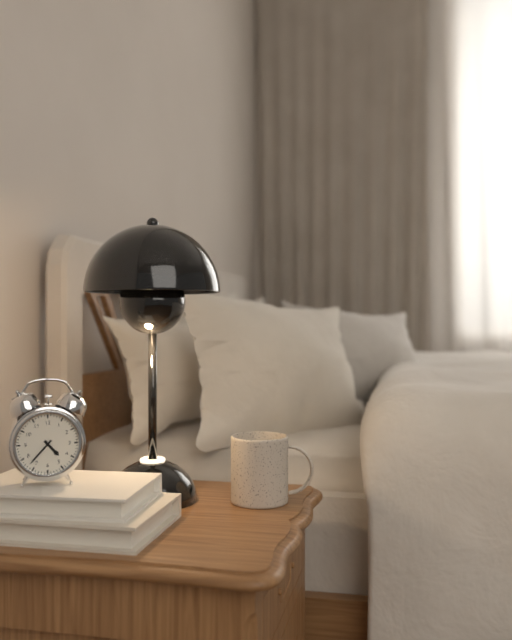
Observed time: 4h37
